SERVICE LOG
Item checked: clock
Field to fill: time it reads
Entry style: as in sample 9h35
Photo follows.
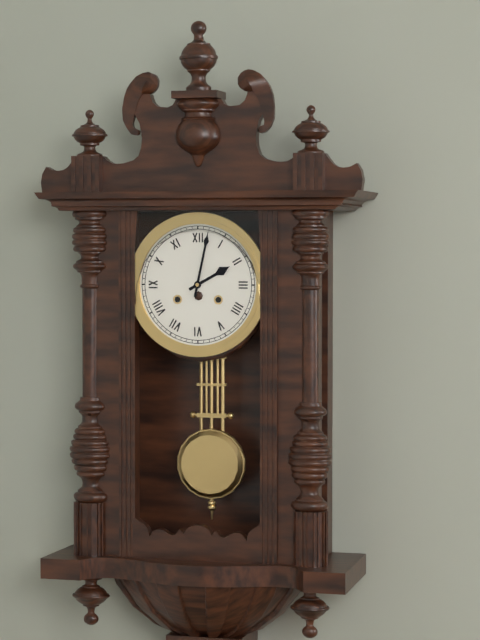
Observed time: 2h02
